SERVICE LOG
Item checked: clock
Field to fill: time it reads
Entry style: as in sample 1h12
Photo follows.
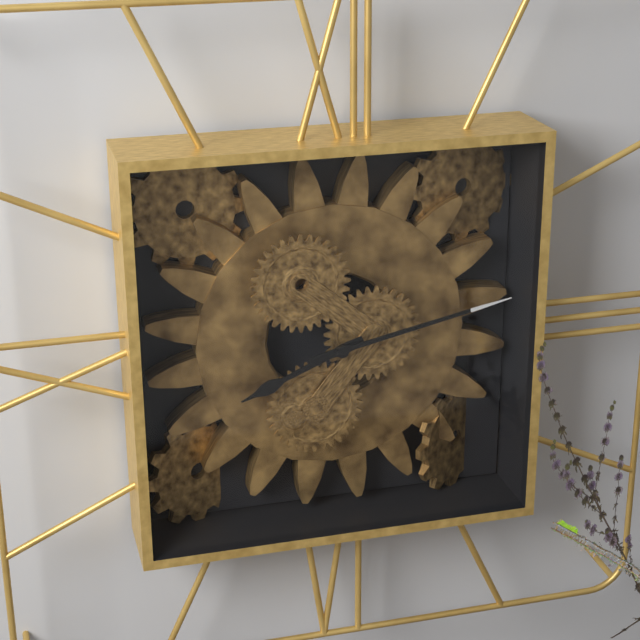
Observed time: 8h13
